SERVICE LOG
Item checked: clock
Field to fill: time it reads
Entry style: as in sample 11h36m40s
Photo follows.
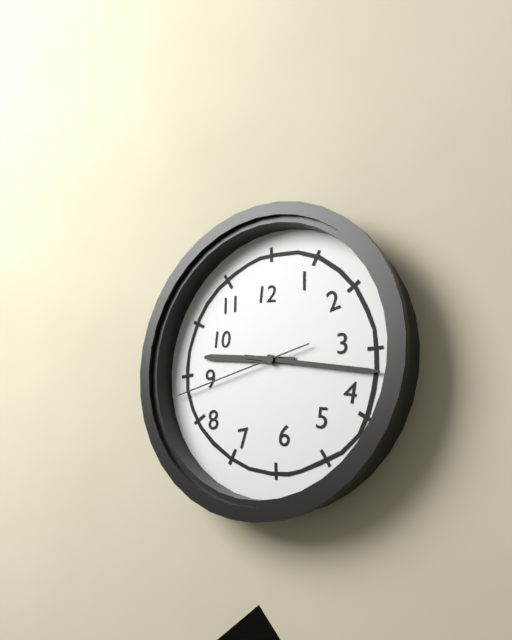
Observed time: 9h17m43s
